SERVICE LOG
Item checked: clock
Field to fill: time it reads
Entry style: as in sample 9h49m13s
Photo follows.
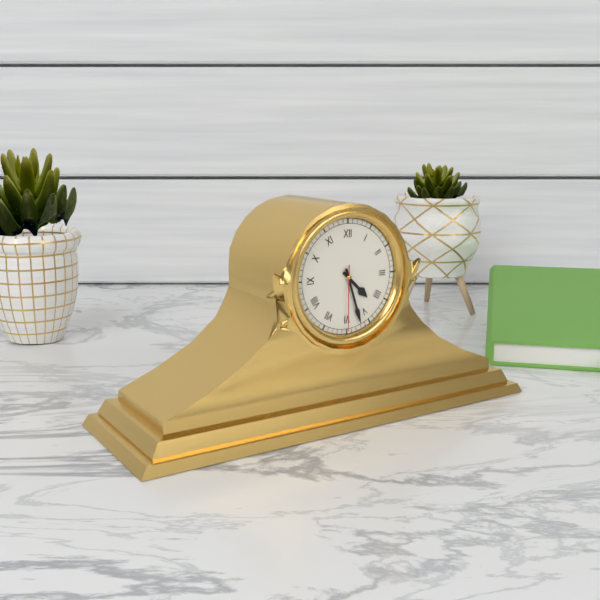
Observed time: 4h27m30s
